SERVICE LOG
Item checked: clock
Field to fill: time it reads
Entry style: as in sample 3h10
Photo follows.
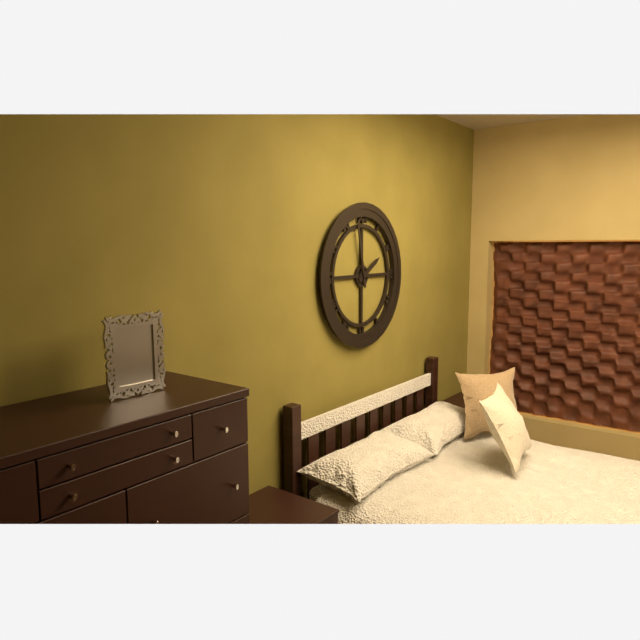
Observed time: 1h58
